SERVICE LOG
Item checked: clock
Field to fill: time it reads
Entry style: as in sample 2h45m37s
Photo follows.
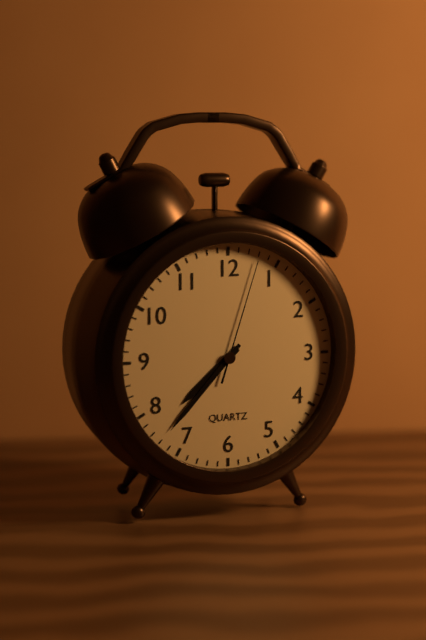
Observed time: 7h37m03s
